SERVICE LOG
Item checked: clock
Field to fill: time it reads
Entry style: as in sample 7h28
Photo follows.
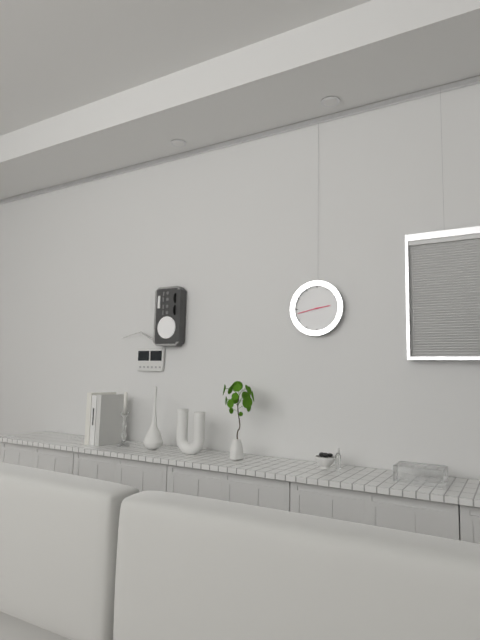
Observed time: 2h43
